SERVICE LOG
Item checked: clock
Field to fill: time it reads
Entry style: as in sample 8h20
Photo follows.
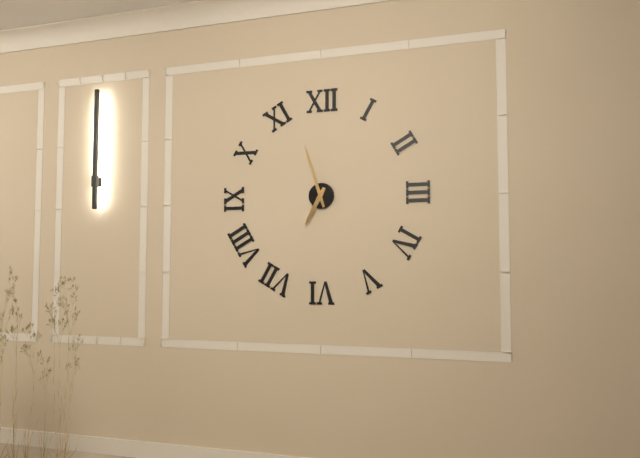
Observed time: 6h57
